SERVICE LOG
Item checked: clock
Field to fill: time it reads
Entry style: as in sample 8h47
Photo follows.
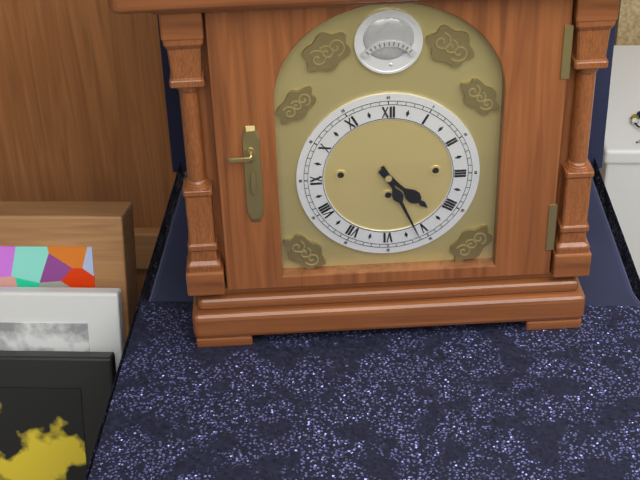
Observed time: 4h26
